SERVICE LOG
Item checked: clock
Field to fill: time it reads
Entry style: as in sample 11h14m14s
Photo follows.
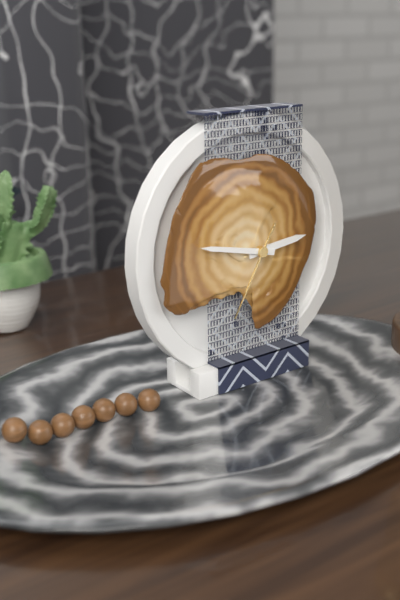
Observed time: 2h47m35s
